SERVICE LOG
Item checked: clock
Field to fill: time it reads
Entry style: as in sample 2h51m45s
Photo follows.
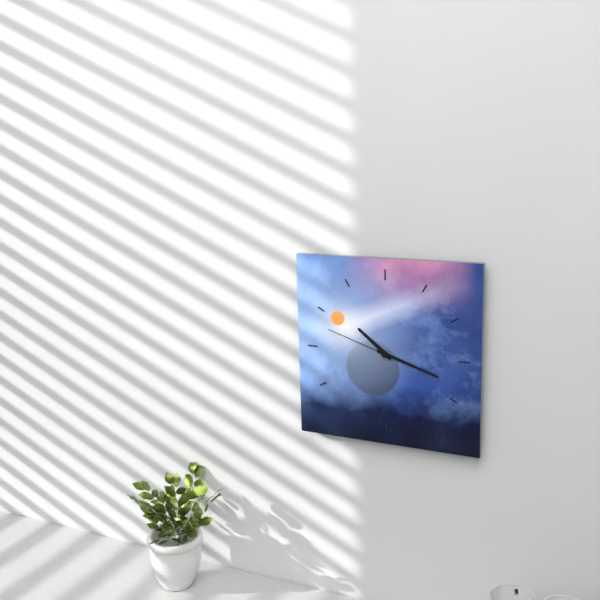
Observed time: 10h18m48s
